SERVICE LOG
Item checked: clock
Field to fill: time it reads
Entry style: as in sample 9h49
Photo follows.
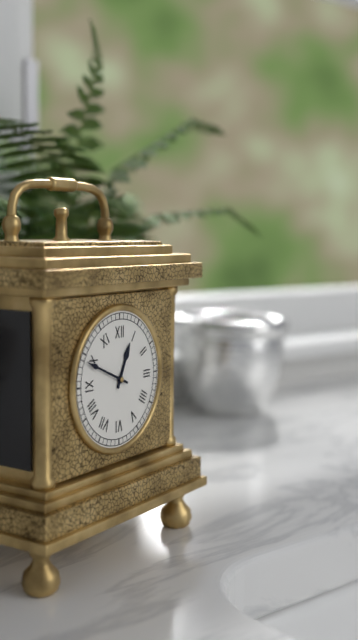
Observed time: 12h49
